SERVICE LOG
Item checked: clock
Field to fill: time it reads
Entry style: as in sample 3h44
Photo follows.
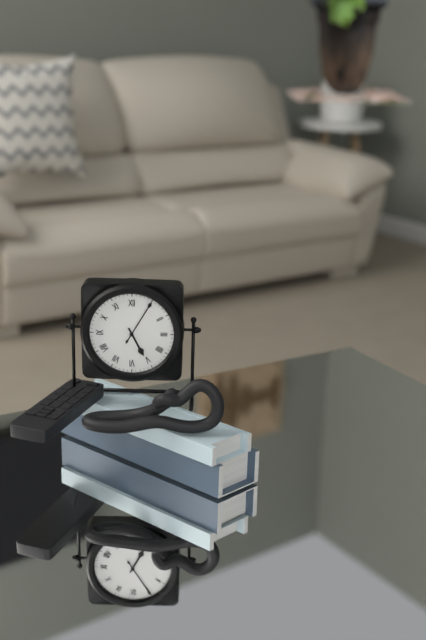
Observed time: 5h05
